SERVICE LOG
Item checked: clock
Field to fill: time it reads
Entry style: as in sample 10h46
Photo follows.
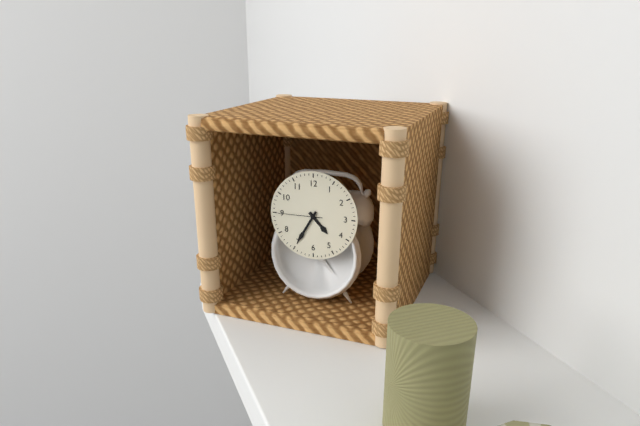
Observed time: 4h35
